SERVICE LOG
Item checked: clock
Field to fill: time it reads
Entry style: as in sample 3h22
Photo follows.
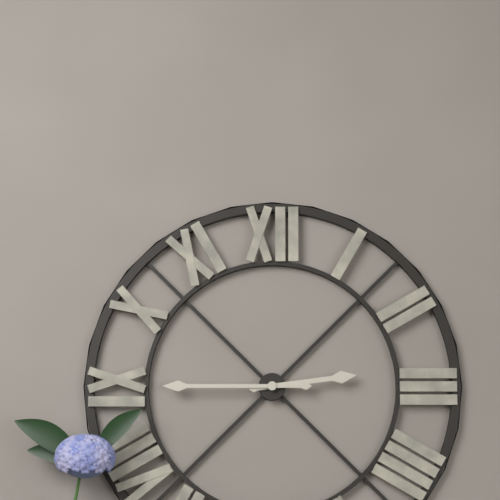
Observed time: 2h45
